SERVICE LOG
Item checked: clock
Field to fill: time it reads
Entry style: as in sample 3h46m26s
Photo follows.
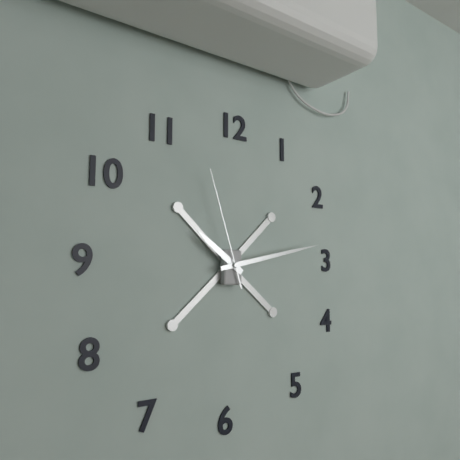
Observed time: 10h13m57s
